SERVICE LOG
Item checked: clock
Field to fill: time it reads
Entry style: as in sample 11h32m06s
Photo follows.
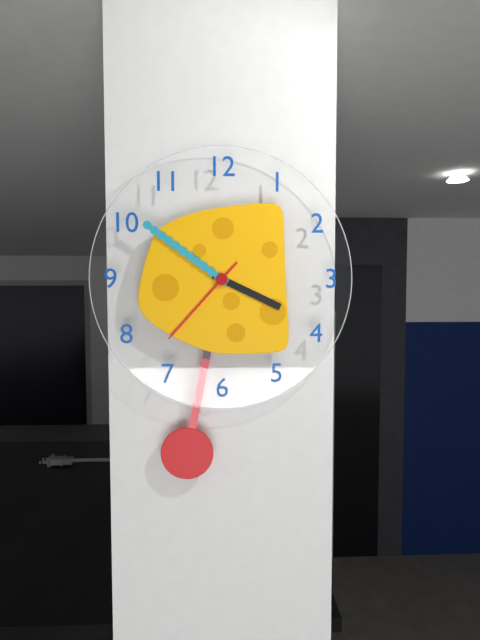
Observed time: 3h51m37s
